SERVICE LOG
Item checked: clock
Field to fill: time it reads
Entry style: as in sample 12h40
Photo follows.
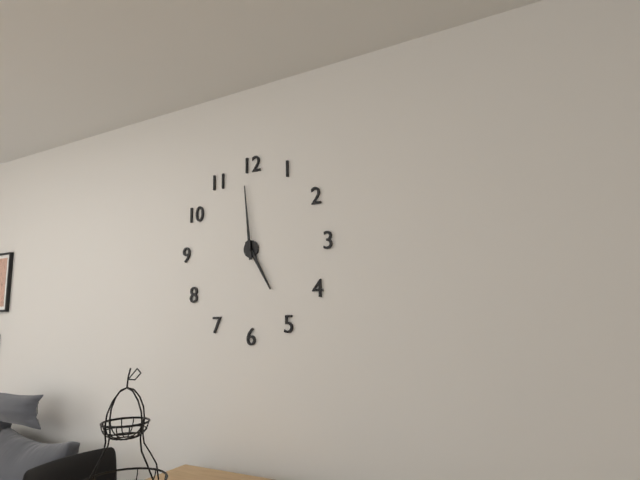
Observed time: 4h59
